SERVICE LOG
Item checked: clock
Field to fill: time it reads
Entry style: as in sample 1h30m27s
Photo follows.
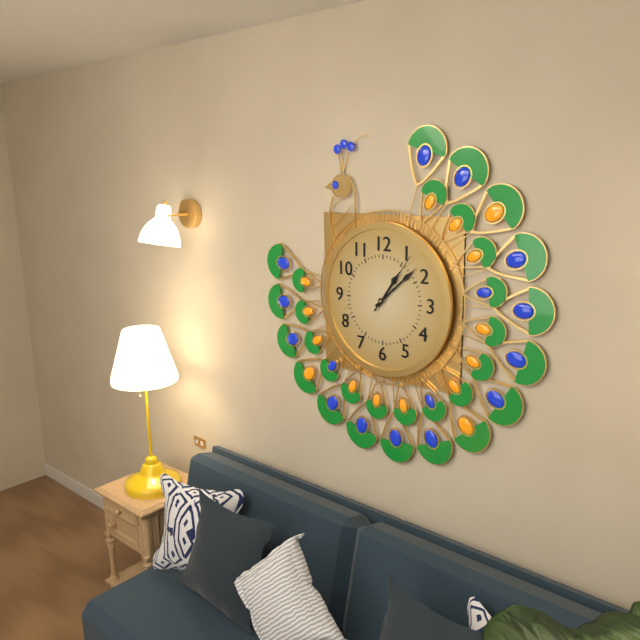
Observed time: 1h08m06s
